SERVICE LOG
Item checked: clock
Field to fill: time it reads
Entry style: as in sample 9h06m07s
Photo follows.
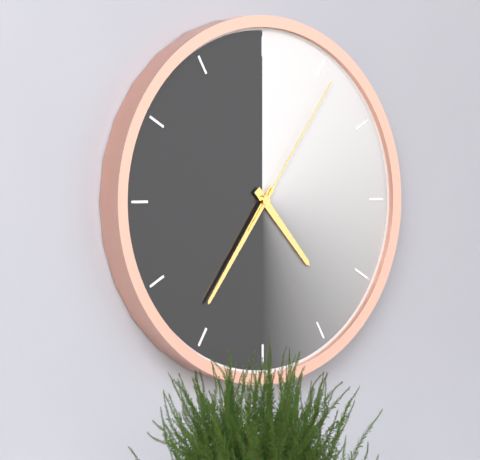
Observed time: 4h36m06s
